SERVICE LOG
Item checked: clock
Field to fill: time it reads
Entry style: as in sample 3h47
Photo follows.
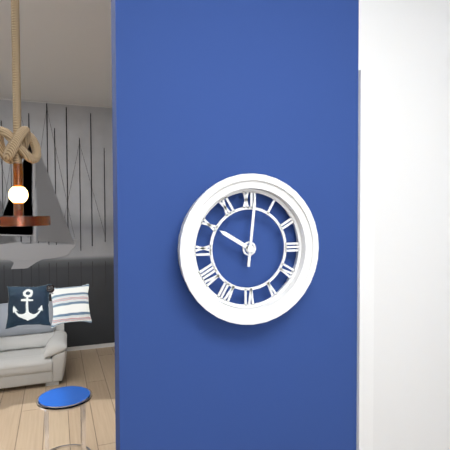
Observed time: 10h01
